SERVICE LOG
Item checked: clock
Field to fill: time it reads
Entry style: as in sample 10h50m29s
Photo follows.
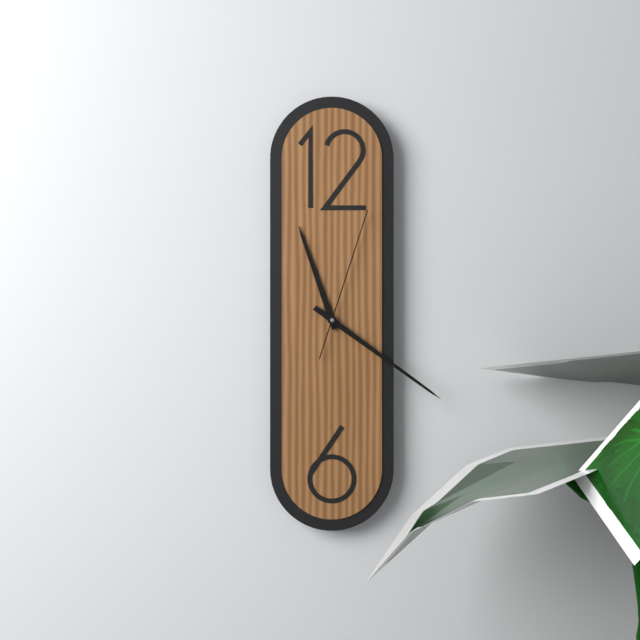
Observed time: 11h21m03s
